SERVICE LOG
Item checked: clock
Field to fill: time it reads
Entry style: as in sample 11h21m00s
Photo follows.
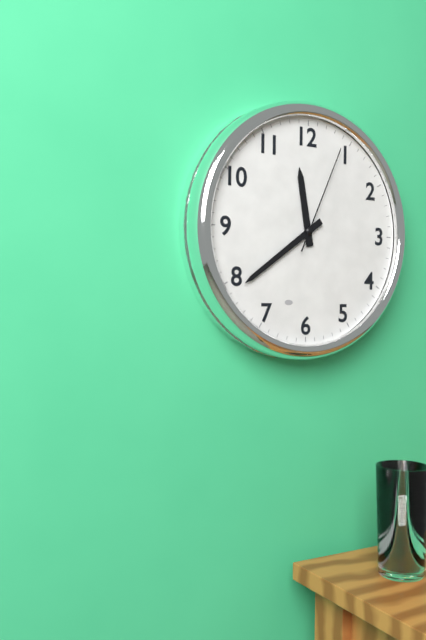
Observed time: 11h39m04s
